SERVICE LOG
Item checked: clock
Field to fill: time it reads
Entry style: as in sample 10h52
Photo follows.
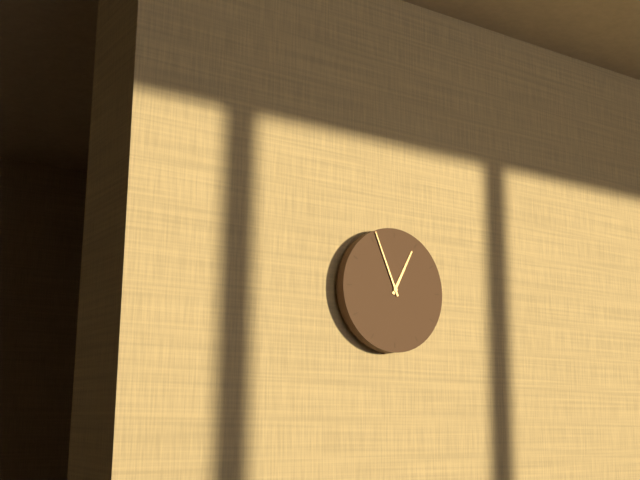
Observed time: 12h56
